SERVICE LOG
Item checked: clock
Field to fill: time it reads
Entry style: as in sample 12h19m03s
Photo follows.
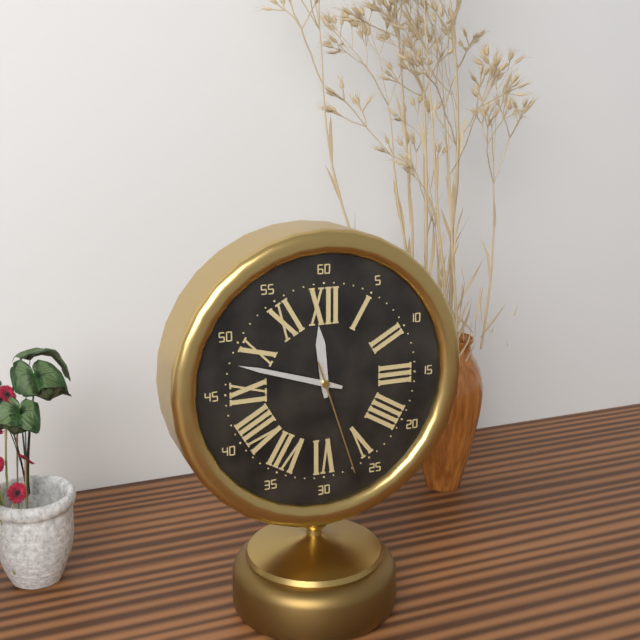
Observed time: 11h48m27s
